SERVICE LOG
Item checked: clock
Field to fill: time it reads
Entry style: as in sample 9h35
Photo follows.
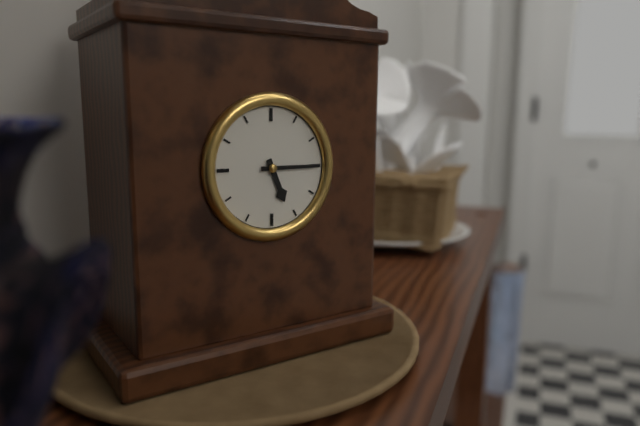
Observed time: 5h15
